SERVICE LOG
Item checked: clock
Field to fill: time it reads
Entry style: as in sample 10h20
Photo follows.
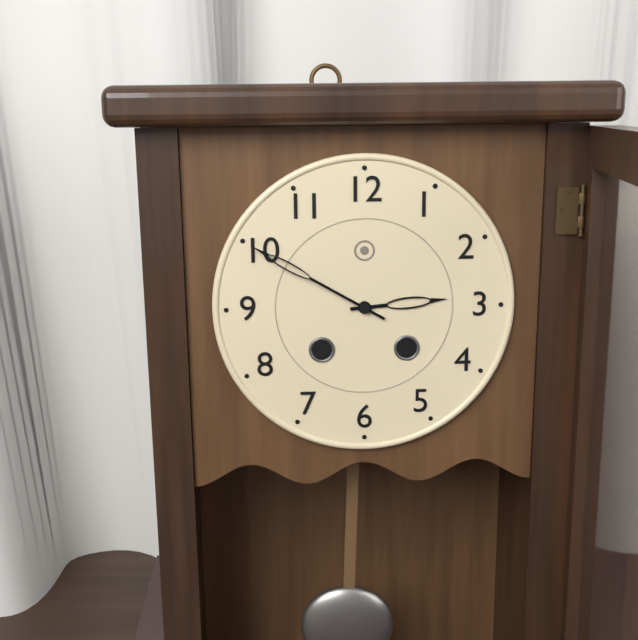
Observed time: 2h50
